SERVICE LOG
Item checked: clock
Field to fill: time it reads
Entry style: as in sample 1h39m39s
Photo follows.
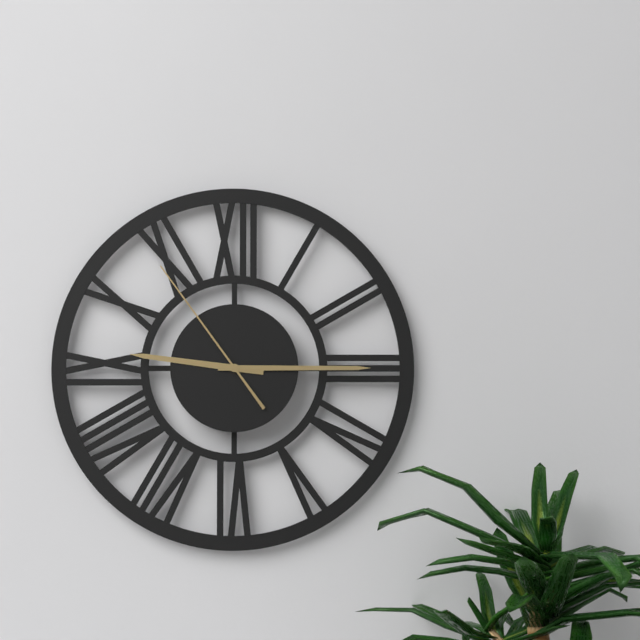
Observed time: 9h15m54s
